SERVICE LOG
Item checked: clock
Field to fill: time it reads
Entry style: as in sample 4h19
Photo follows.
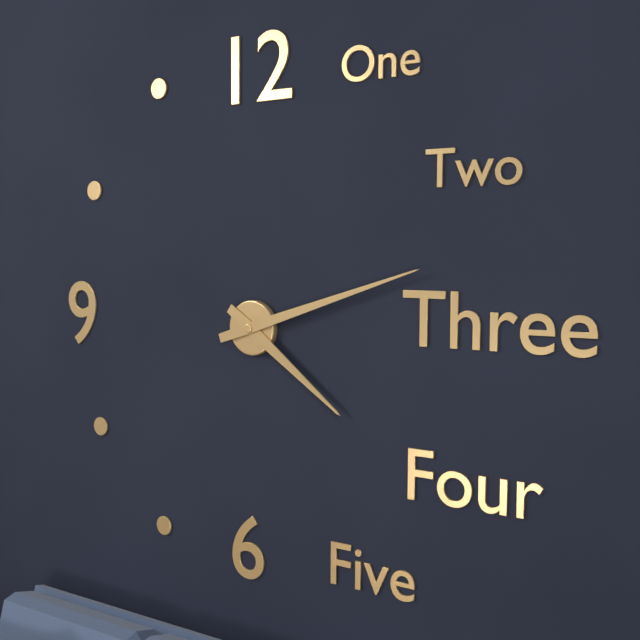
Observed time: 4h12
